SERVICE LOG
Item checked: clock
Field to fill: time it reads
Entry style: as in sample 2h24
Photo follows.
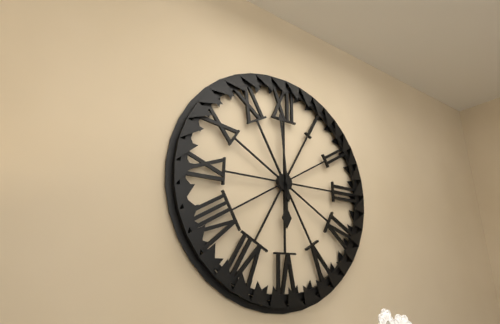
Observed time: 5h59
